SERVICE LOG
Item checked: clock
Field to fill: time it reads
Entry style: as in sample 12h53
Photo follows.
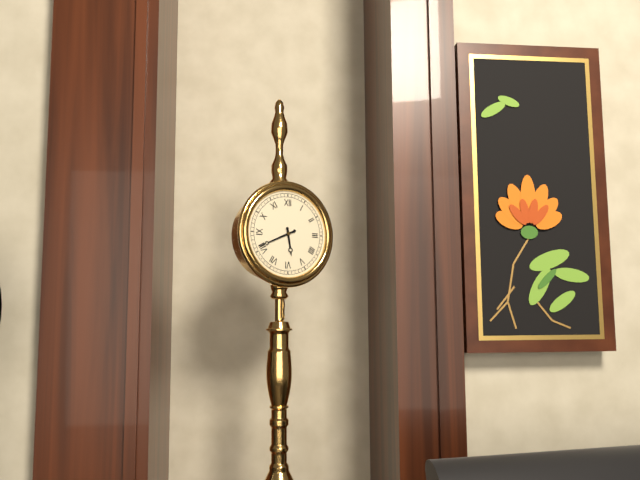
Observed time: 5h41
